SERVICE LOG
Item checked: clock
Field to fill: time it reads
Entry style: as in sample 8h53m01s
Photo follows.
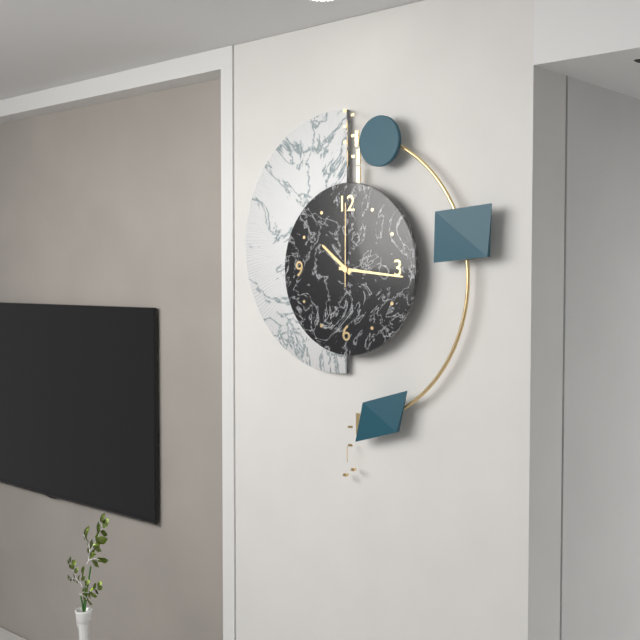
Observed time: 10h16m00s
